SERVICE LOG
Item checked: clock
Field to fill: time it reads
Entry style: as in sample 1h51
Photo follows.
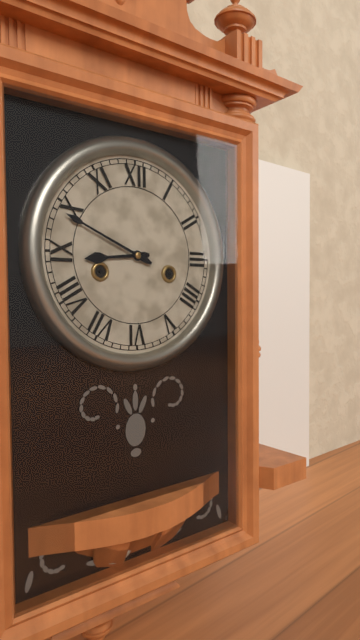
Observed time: 8h49
